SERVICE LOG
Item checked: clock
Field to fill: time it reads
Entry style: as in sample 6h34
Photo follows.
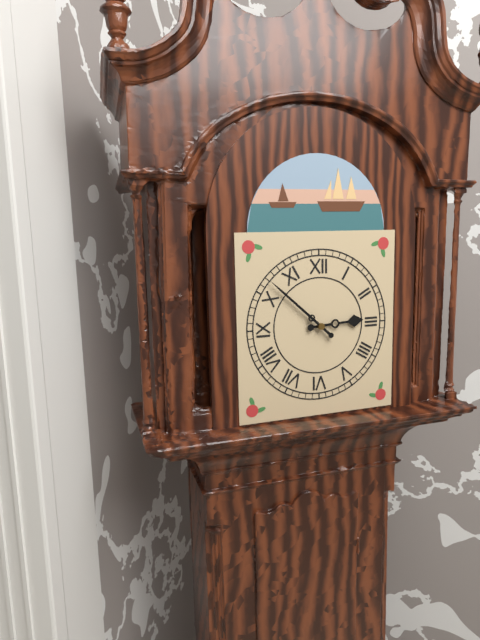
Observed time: 2h52
